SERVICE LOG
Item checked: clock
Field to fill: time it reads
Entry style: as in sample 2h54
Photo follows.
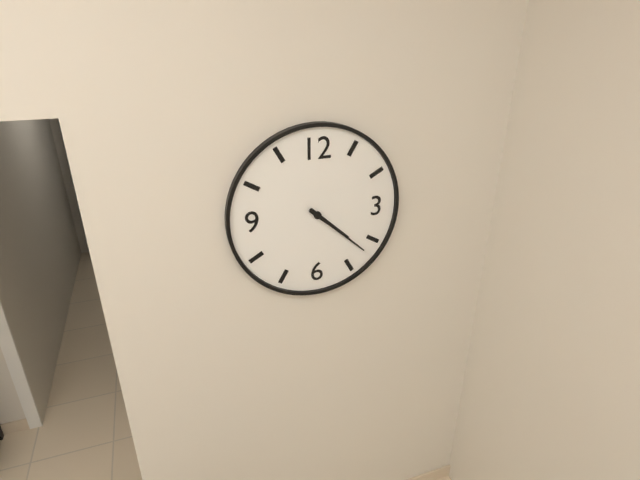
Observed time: 4h22
